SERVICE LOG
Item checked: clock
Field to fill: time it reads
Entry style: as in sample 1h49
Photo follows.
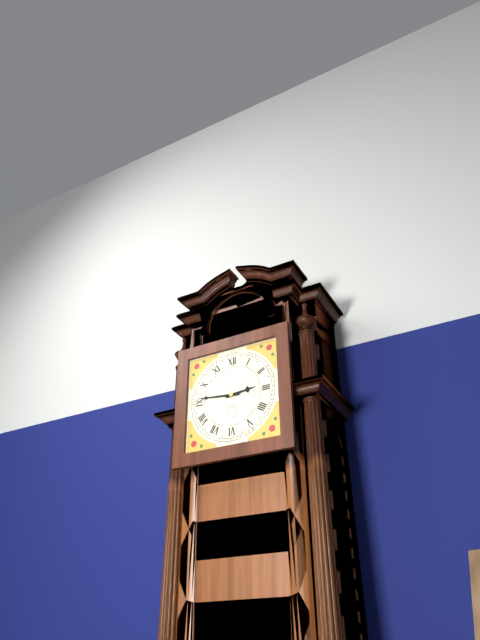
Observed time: 2h46
